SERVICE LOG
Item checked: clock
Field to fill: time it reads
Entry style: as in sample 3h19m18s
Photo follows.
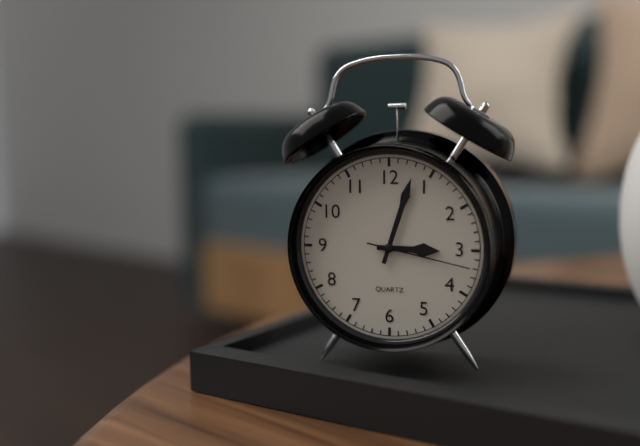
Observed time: 3h03m17s
